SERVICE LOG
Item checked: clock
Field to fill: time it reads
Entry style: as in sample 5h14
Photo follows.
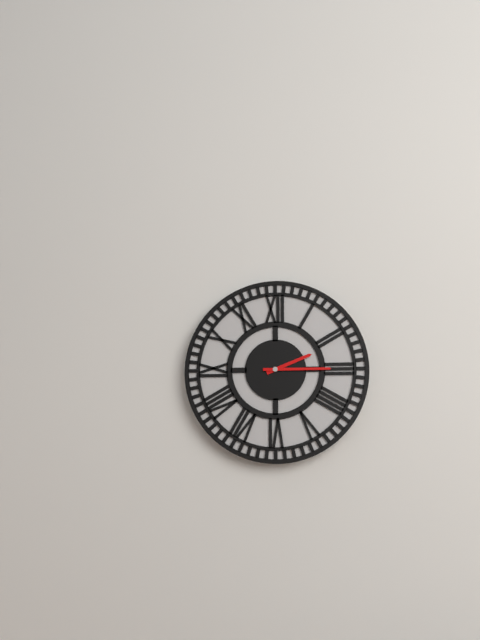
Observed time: 2h15
